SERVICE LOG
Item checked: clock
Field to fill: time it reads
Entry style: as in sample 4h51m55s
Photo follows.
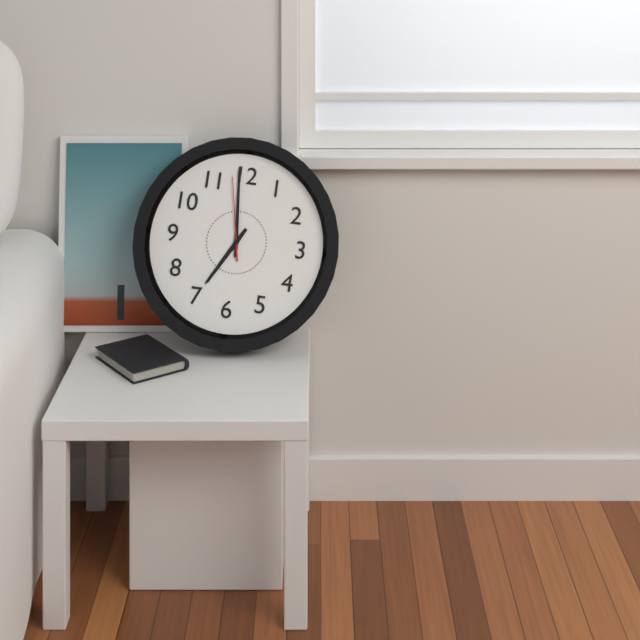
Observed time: 6h59m58s
